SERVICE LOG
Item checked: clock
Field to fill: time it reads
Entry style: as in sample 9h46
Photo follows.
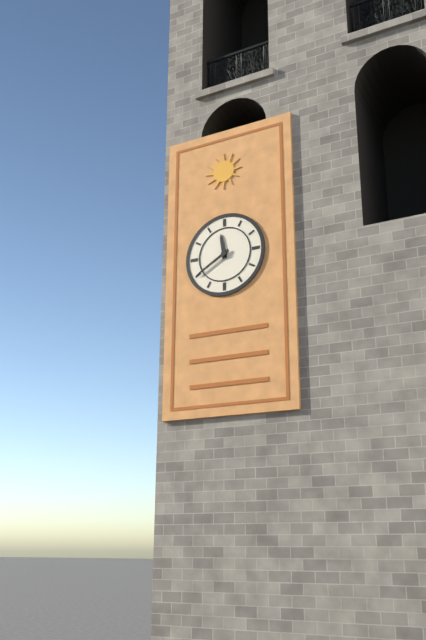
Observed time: 11h40
